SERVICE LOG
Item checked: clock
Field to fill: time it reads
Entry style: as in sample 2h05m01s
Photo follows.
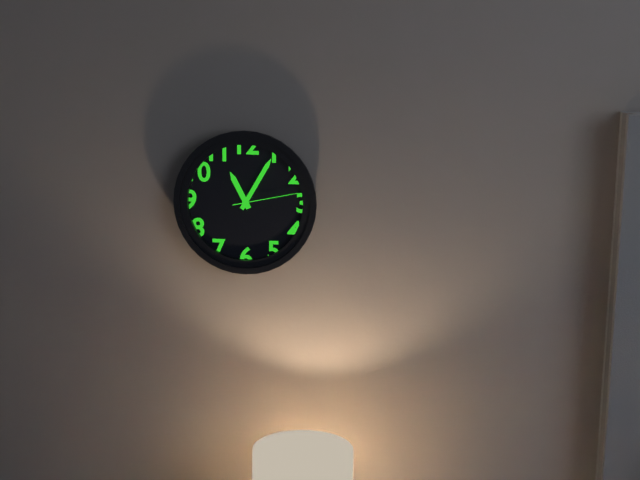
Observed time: 11h05m13s
